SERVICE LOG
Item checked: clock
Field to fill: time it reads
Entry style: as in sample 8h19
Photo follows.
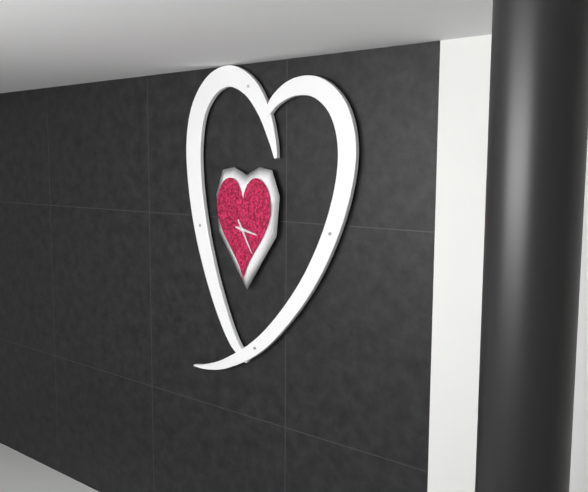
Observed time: 3h25
